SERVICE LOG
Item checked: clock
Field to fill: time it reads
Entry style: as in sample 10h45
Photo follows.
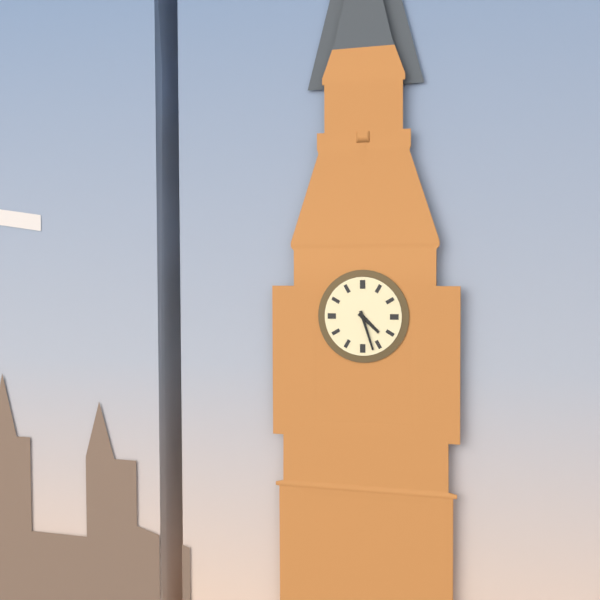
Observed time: 4h27
